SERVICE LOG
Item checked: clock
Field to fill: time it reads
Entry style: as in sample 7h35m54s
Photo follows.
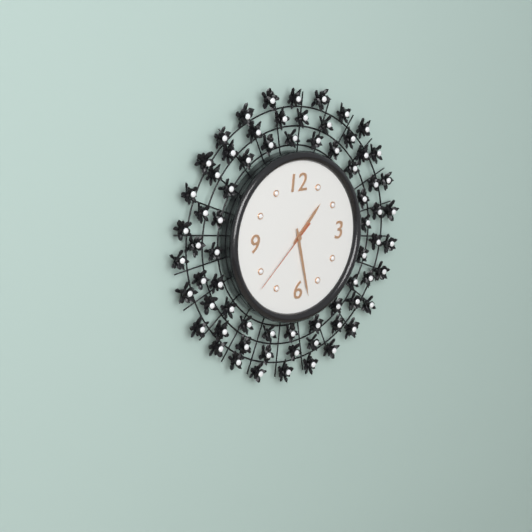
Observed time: 1h28m38s
